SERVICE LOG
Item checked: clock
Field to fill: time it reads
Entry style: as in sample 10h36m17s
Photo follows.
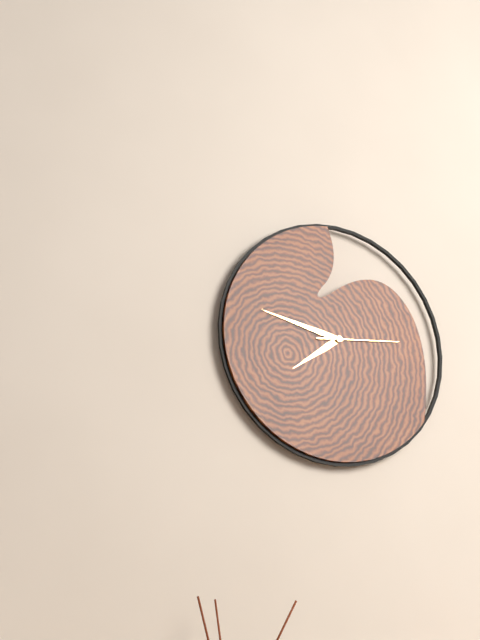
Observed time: 7h47m14s
